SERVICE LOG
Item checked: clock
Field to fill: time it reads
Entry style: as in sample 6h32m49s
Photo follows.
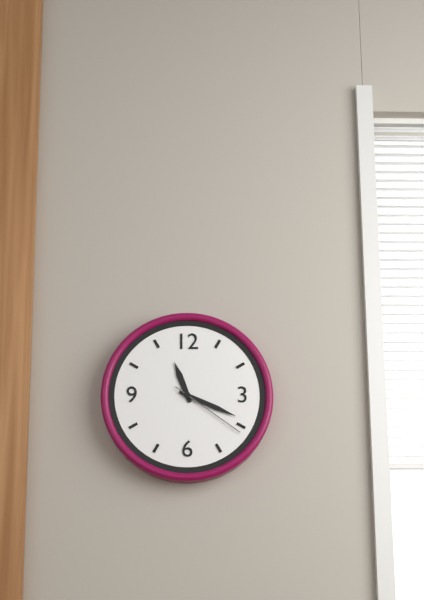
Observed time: 11h19m21s
